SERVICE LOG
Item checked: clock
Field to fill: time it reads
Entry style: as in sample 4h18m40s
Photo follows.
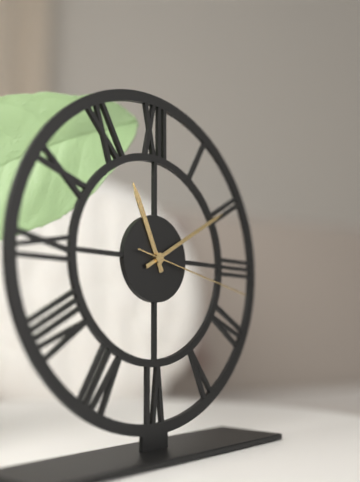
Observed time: 11h10m17s
